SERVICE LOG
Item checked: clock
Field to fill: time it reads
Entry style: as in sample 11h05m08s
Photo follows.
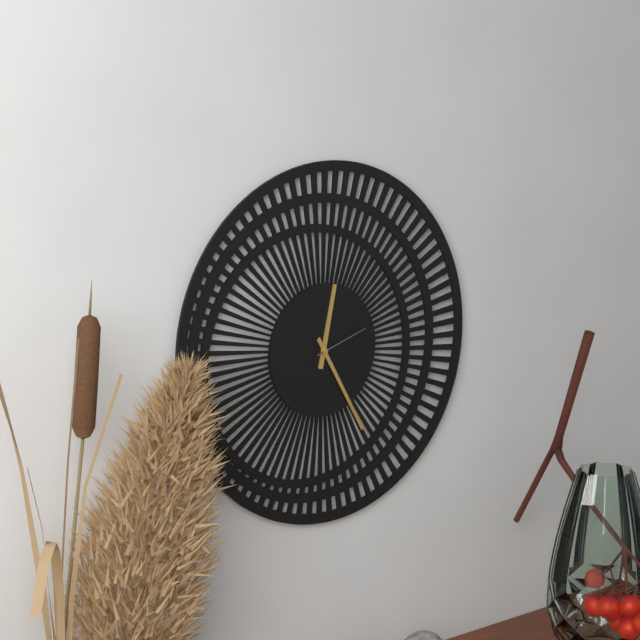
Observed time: 12h25m12s
